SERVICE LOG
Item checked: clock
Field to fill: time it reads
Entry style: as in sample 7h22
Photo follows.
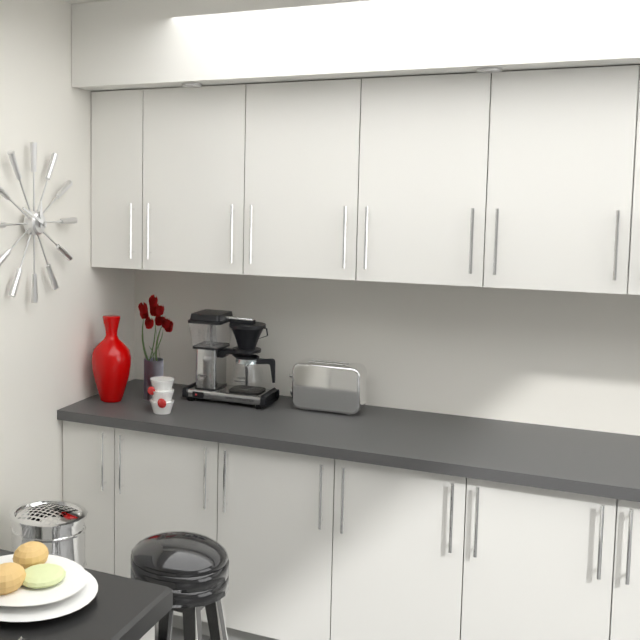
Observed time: 11h49
